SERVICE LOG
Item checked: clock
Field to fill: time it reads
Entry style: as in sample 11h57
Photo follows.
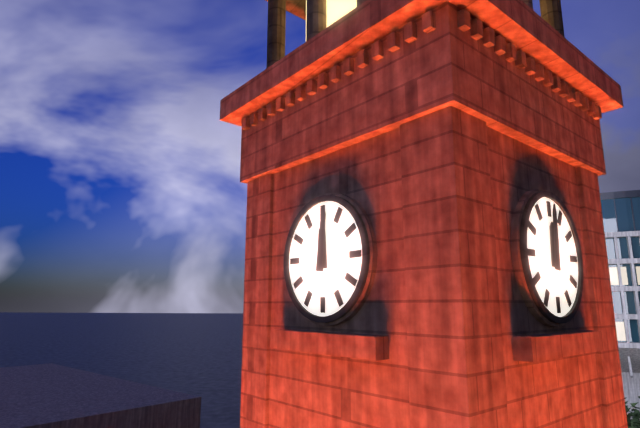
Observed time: 12h01
